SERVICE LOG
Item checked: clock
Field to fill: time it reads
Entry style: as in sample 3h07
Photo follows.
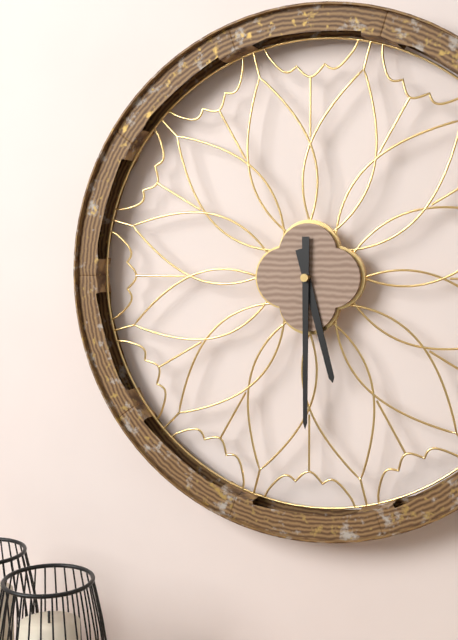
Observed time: 5h30
